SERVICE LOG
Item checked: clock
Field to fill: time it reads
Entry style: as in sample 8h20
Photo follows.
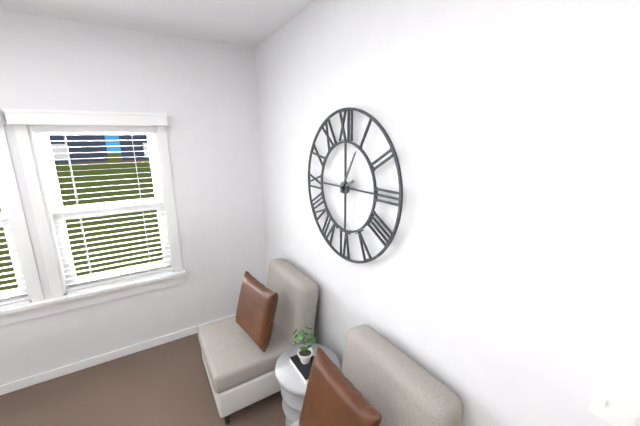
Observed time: 2h05
